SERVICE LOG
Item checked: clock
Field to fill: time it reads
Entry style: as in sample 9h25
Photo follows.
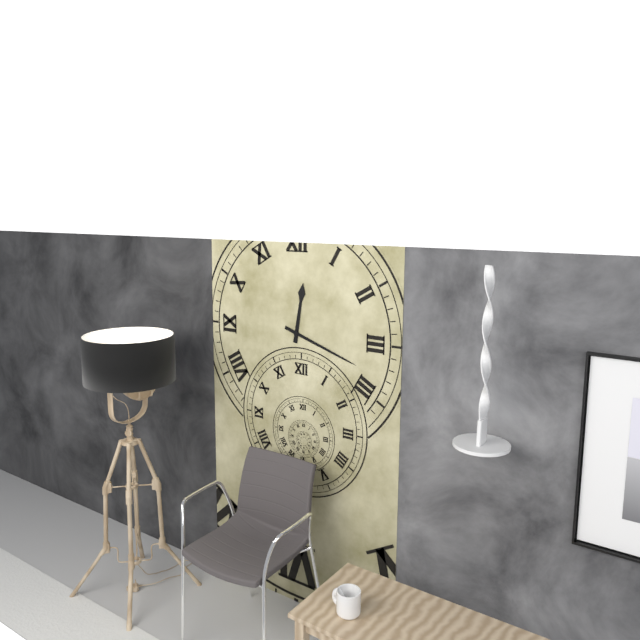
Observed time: 12h18
